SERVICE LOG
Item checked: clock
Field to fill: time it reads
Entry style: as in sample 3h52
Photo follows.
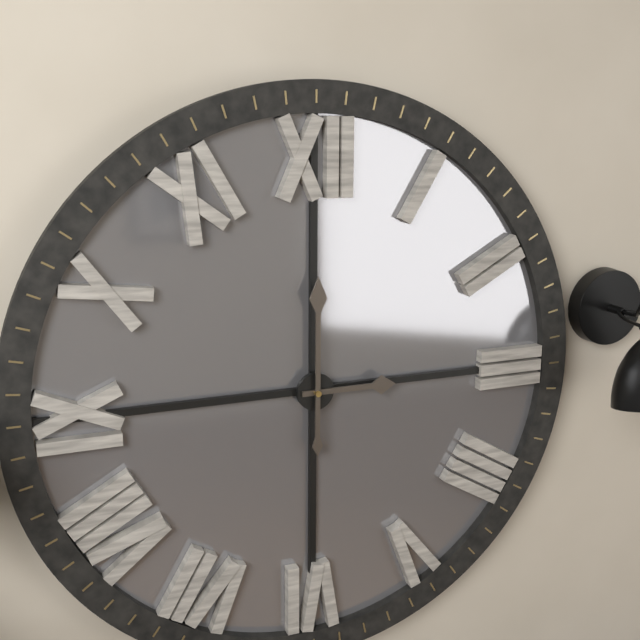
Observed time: 3h00
